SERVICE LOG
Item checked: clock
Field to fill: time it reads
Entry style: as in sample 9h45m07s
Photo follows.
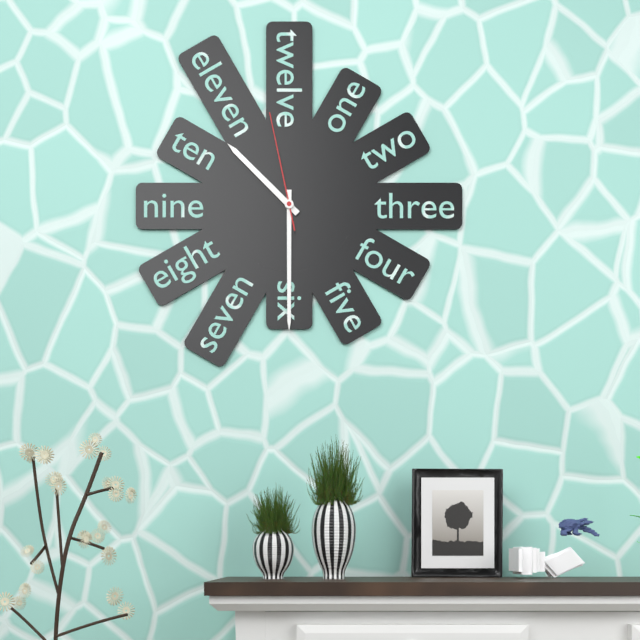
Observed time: 10h30m58s
